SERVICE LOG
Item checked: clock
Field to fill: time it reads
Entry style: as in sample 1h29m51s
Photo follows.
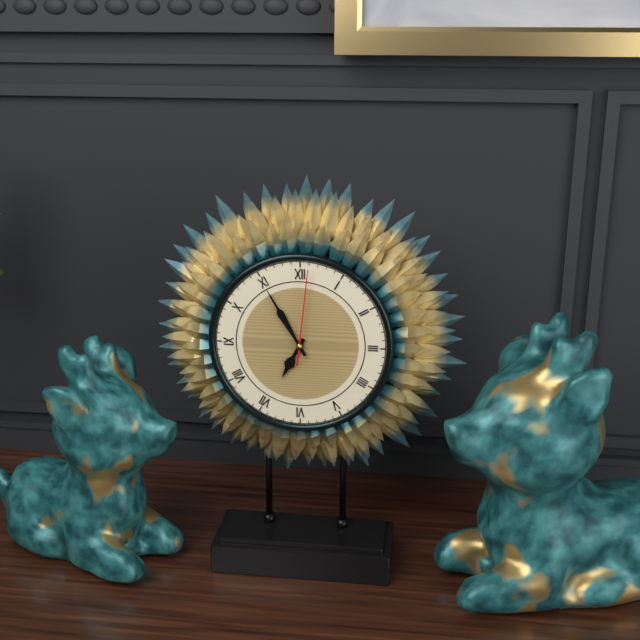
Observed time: 6h55m01s
